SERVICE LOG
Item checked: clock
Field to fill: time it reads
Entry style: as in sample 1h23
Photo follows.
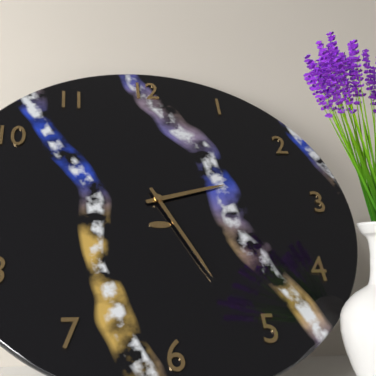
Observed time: 2h26
